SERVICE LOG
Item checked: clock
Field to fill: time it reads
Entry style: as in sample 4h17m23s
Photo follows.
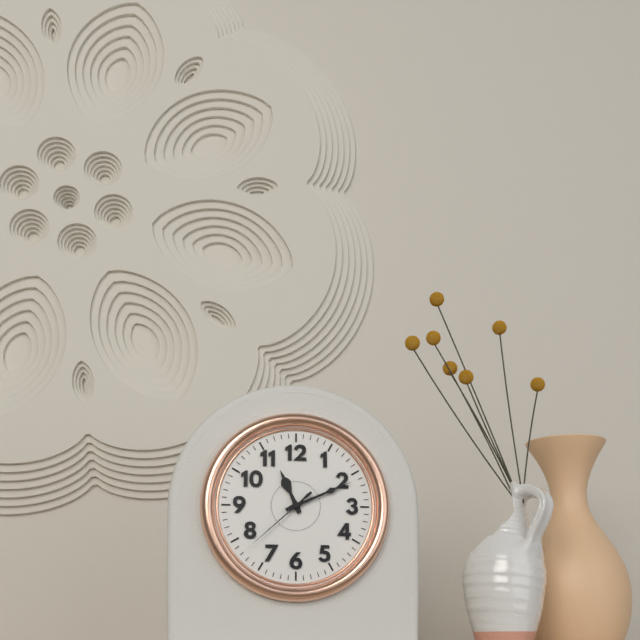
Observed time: 11h11m38s
